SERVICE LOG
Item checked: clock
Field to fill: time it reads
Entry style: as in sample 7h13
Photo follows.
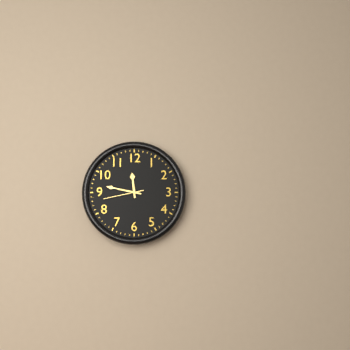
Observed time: 11h47
